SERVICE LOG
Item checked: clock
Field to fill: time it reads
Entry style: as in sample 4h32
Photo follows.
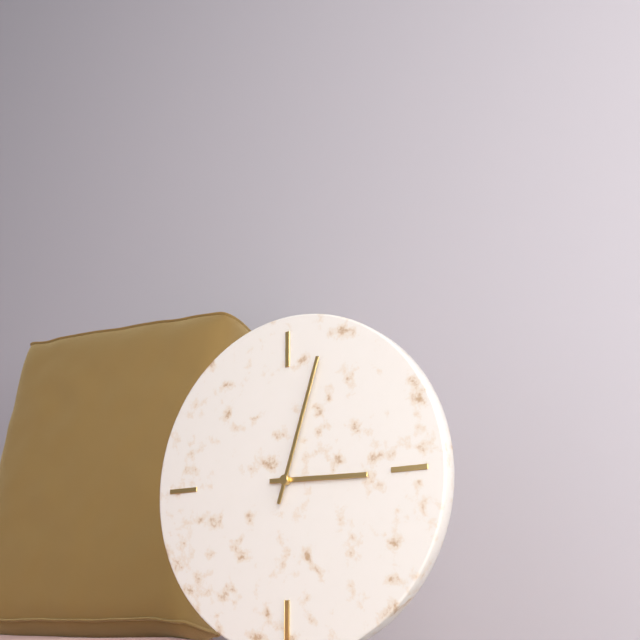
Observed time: 3h03
